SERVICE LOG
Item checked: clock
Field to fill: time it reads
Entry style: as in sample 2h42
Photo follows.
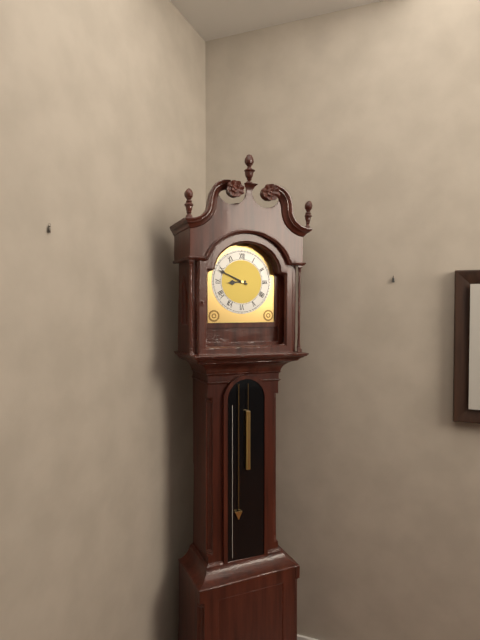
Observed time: 8h49
